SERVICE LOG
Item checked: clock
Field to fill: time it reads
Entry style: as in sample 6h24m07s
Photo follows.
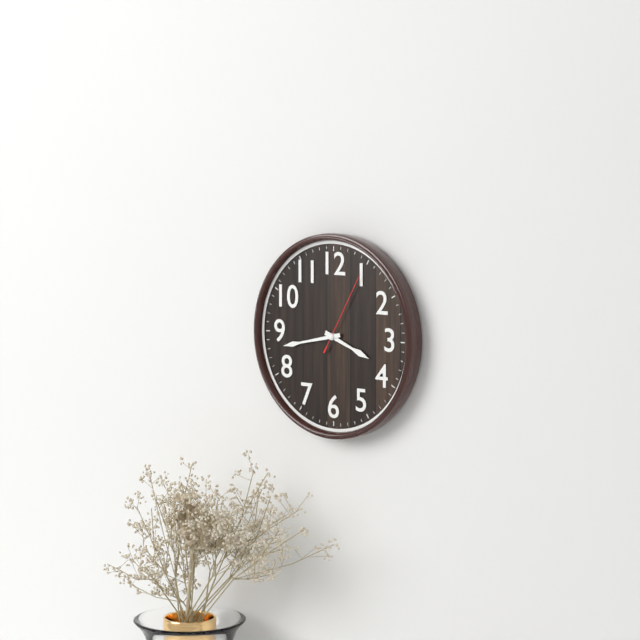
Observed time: 3h43m05s
